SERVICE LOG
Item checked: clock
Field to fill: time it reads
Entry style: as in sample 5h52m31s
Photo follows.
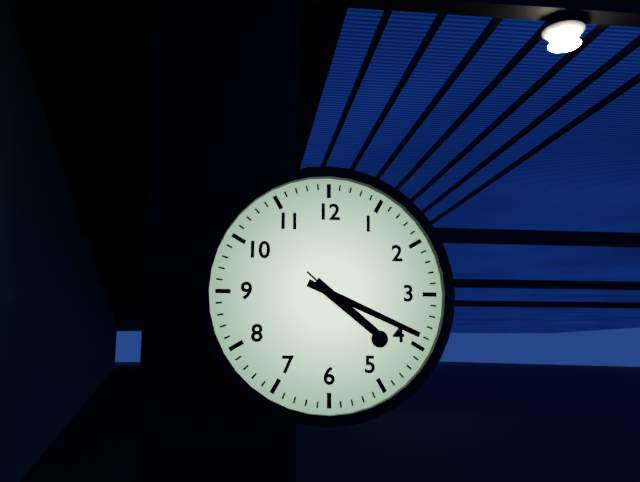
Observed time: 4h19m22s
